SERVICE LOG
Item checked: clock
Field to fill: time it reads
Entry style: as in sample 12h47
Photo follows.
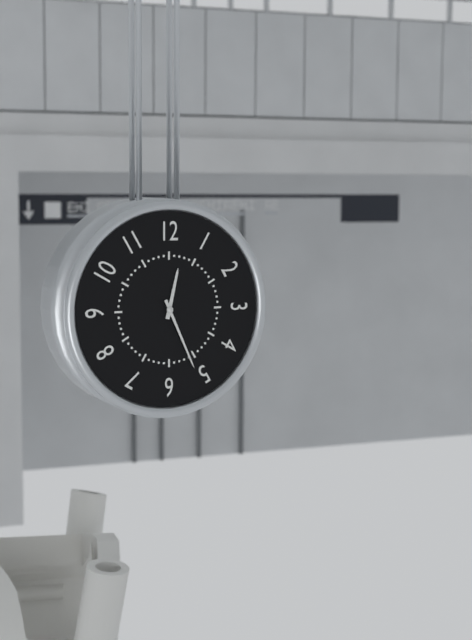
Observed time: 12h26
